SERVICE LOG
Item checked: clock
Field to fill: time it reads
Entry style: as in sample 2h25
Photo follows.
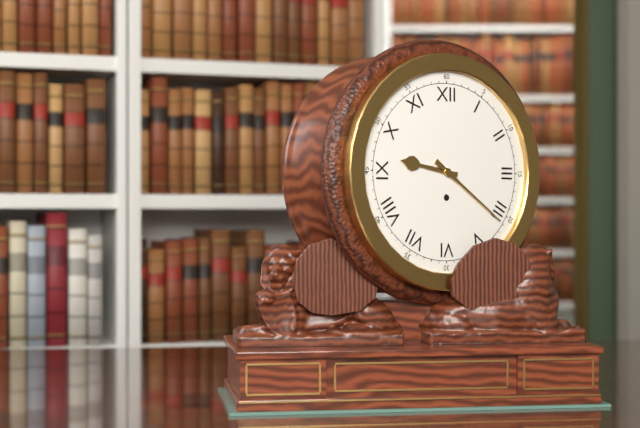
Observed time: 9h21
